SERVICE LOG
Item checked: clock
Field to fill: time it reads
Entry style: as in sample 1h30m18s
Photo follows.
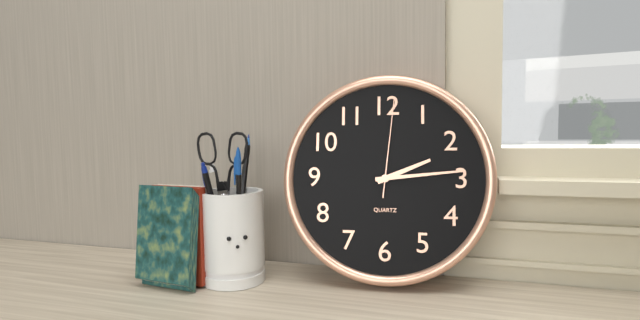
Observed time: 2h14m01s
